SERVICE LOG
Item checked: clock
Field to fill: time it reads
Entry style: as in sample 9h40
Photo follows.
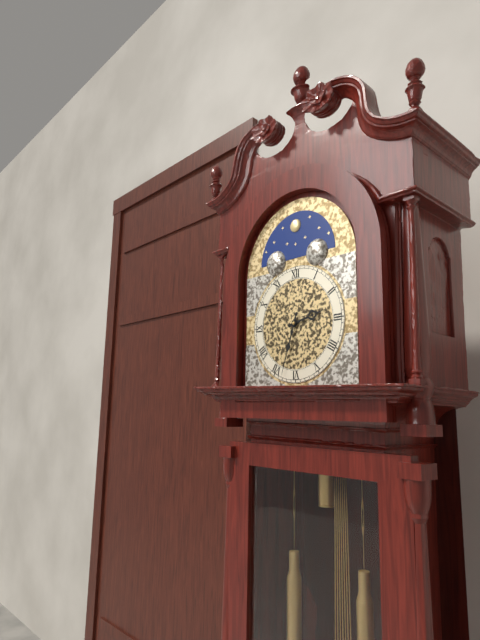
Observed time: 2h33
